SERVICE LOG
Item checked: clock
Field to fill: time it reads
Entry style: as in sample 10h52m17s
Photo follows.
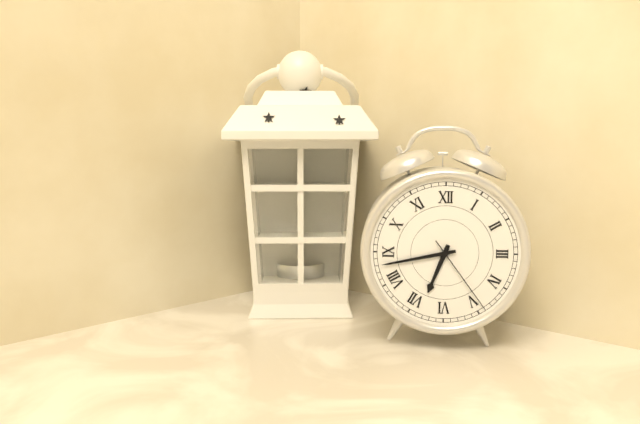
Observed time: 6h43m24s
